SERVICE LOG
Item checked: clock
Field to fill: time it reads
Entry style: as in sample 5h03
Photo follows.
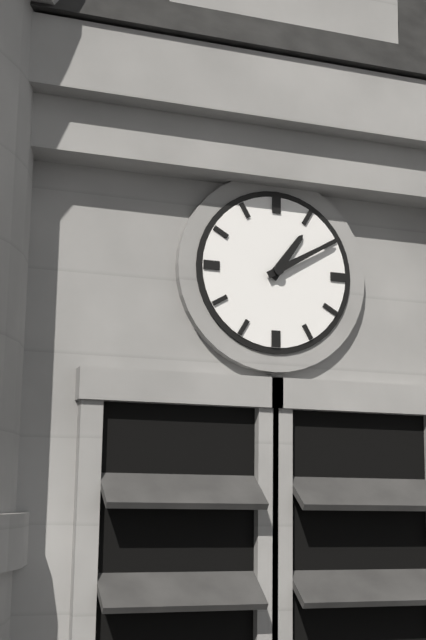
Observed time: 1h10
